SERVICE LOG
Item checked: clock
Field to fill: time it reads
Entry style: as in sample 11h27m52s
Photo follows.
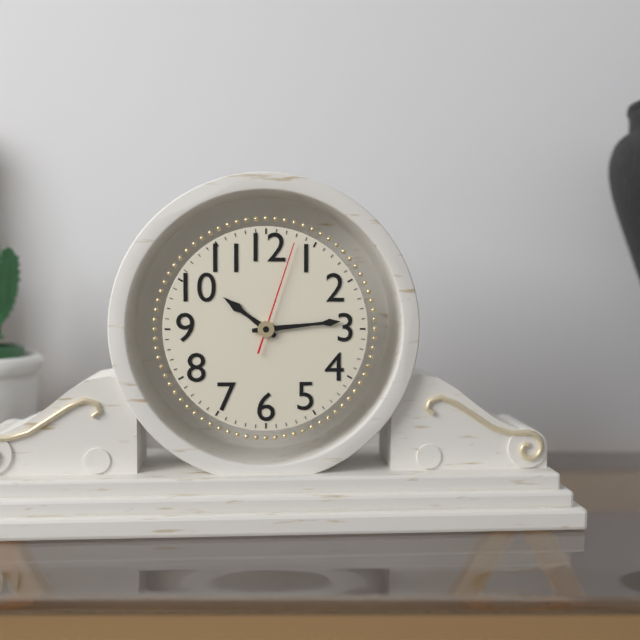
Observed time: 10h14m03s
